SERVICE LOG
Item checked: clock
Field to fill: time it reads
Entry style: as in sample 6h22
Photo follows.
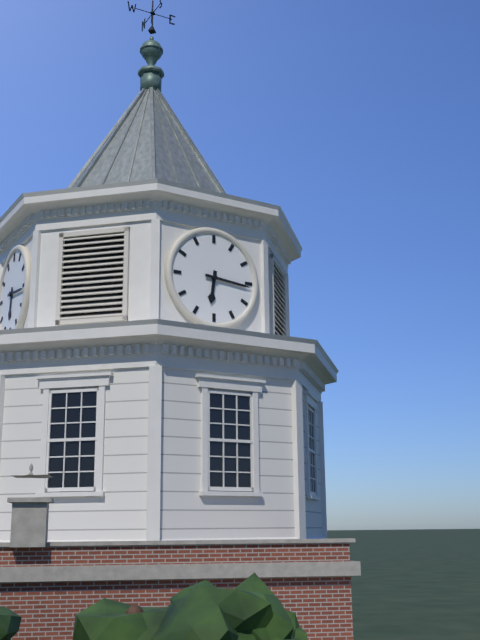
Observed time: 6h16
